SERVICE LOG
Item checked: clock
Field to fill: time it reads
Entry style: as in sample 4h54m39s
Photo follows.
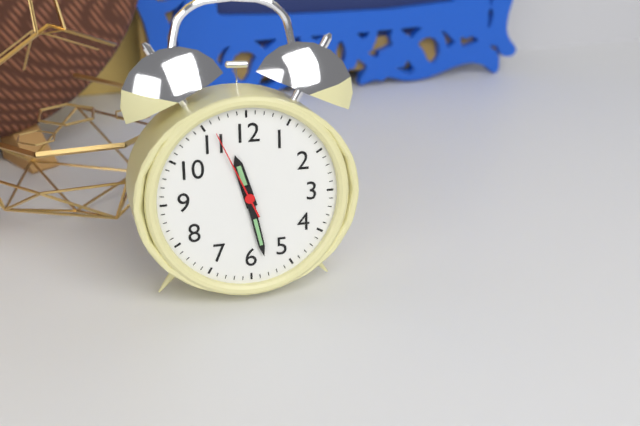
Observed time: 11h28m56s
